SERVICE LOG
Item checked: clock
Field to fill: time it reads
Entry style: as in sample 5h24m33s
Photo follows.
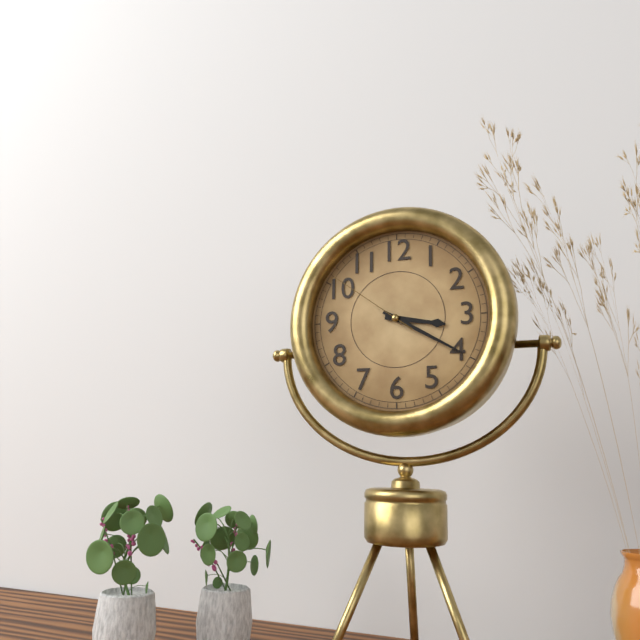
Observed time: 3h20m51s
